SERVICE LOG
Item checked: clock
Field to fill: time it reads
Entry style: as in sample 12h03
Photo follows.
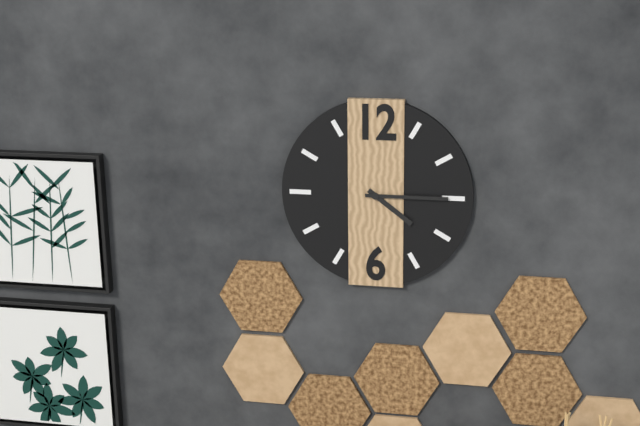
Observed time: 4h15
